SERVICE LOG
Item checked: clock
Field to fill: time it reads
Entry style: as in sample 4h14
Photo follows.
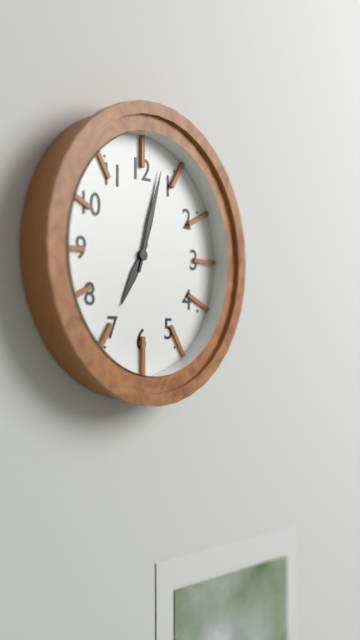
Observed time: 7h03
